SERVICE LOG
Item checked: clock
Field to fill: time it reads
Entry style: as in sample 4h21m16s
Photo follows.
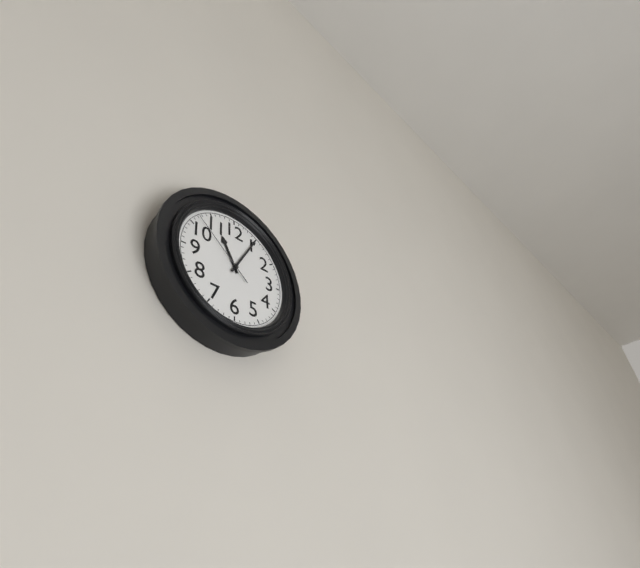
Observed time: 11h05m52s
